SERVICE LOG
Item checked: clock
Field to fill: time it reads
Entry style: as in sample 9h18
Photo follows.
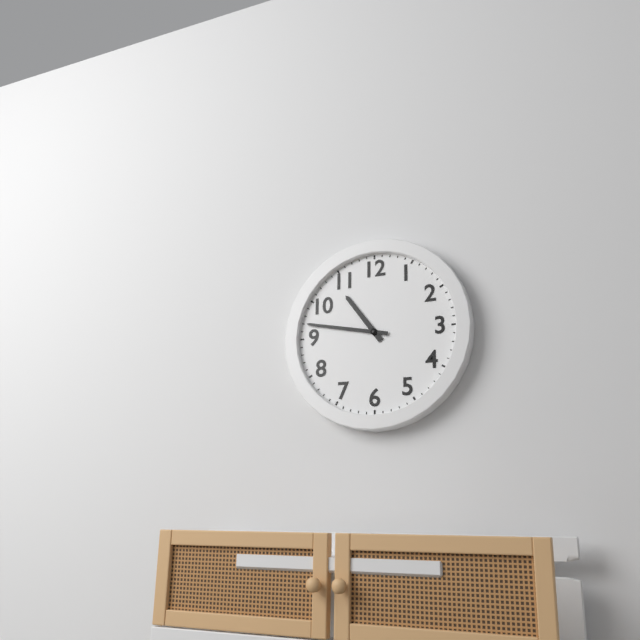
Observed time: 10h47
